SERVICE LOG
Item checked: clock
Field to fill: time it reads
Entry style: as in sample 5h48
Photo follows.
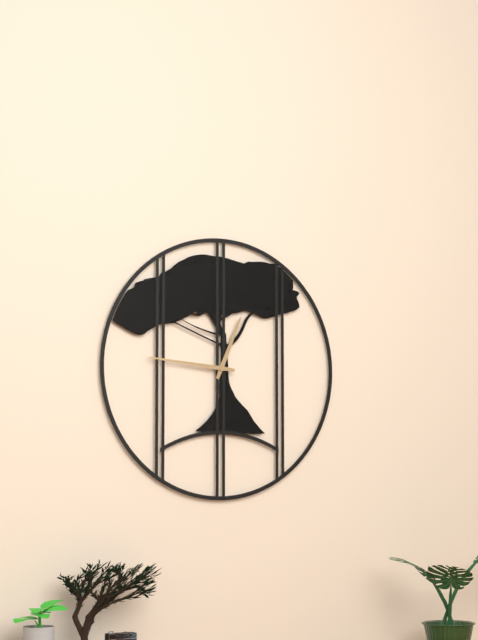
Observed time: 12h46
